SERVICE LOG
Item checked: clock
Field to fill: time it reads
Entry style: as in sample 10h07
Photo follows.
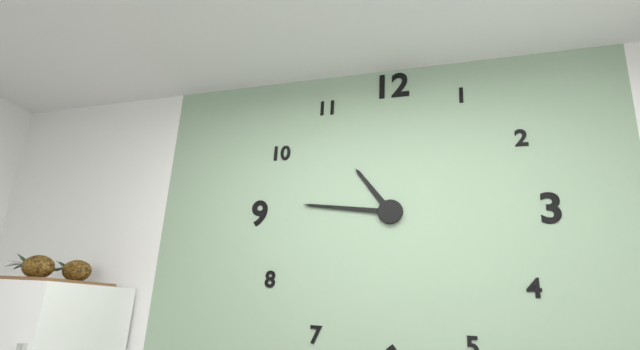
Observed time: 10h46
